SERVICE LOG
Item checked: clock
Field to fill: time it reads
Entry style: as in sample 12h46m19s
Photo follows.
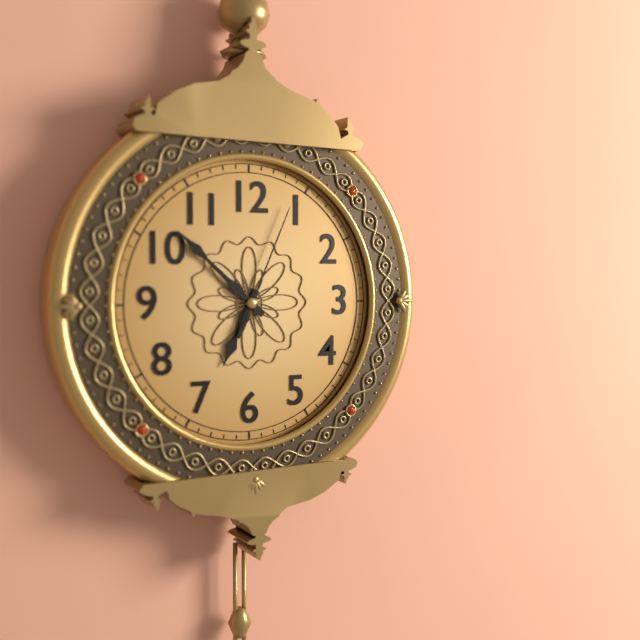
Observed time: 6h52m04s
